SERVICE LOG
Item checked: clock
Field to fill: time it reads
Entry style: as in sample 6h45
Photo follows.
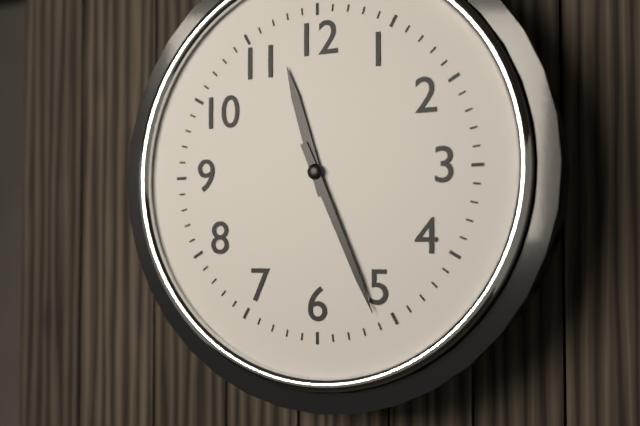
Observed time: 11h26
